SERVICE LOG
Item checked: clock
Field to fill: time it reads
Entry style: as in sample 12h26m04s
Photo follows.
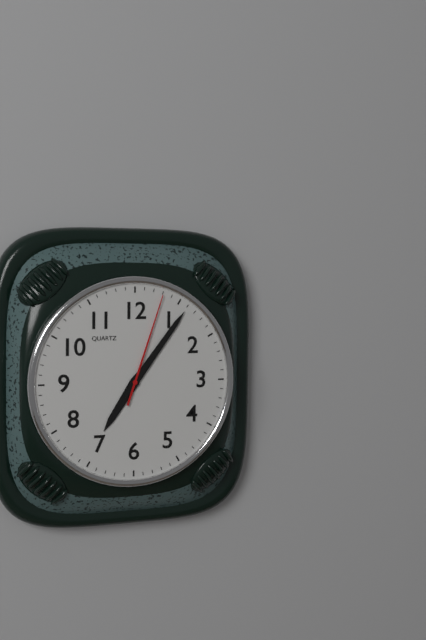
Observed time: 7h06m03s
